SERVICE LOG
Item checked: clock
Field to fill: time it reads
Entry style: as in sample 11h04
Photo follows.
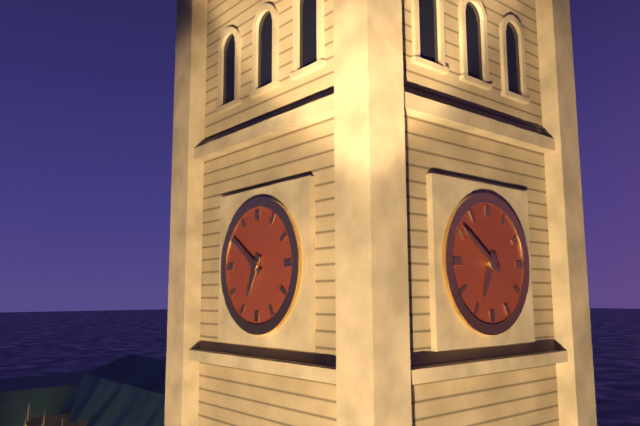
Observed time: 6h51
